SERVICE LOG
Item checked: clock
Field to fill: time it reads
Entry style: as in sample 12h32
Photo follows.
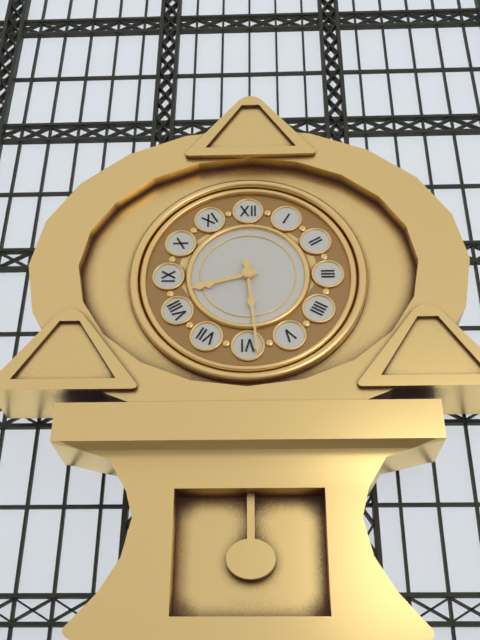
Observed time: 8h29
